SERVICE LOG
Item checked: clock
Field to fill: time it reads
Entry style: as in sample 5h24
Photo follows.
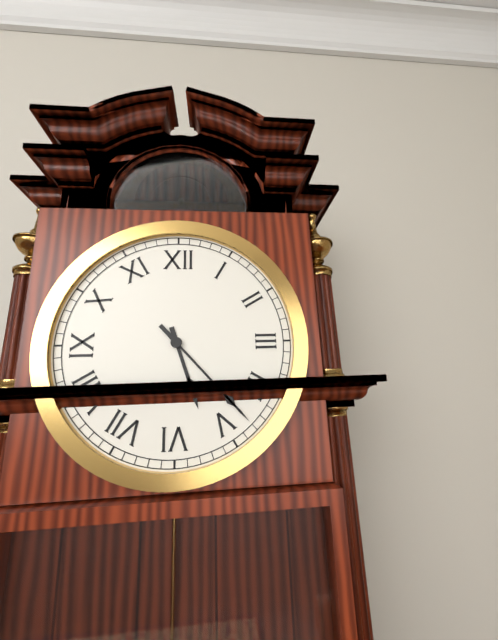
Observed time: 5h23
